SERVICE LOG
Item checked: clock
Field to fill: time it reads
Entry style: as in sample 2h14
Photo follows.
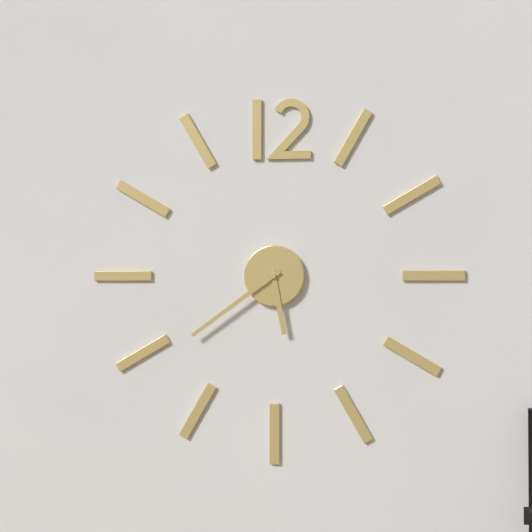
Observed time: 5h39
